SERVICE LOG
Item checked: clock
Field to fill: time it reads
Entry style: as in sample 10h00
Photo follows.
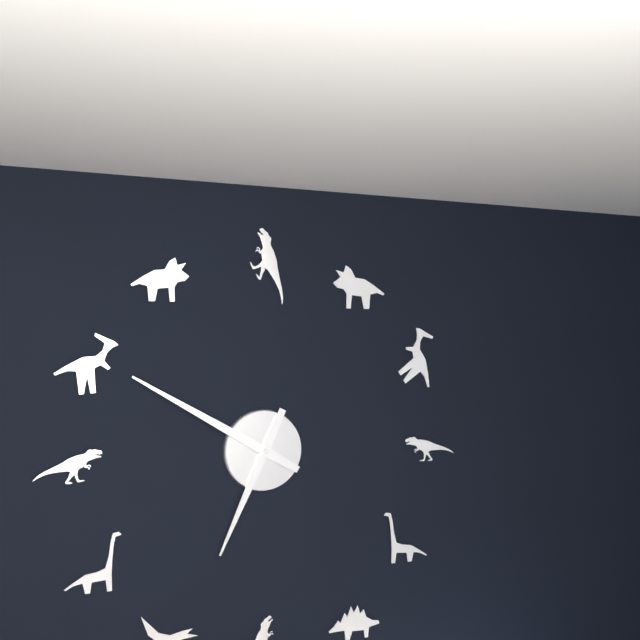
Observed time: 6h50
